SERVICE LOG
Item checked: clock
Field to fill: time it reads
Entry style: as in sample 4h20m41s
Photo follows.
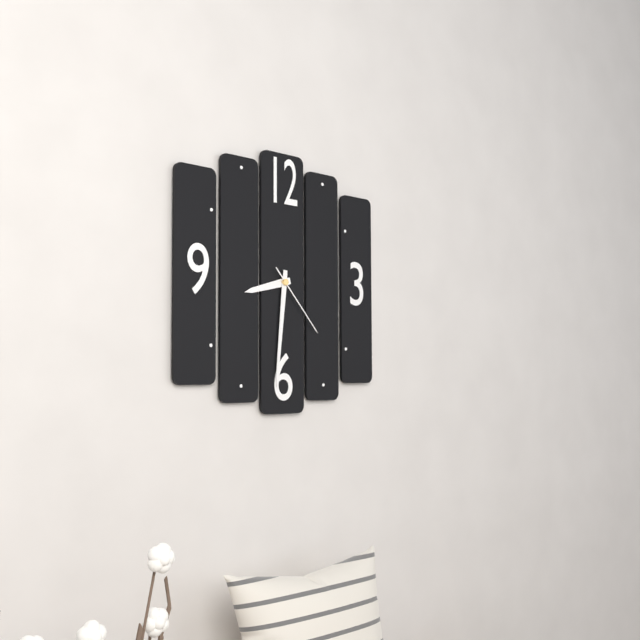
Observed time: 8h31m23s
